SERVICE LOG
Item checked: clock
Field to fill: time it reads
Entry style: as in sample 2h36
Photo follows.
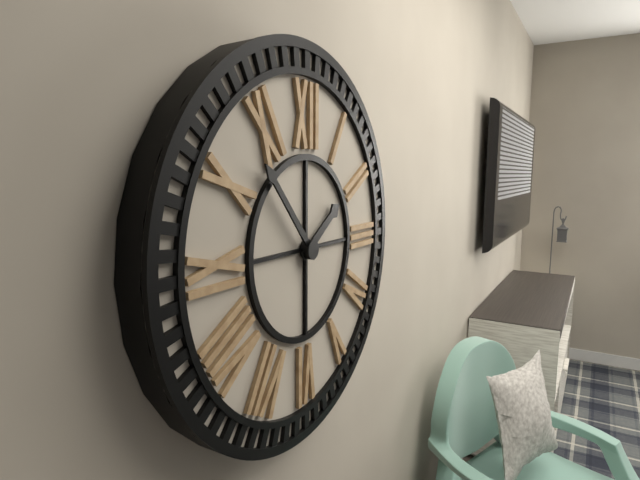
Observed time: 1h53
